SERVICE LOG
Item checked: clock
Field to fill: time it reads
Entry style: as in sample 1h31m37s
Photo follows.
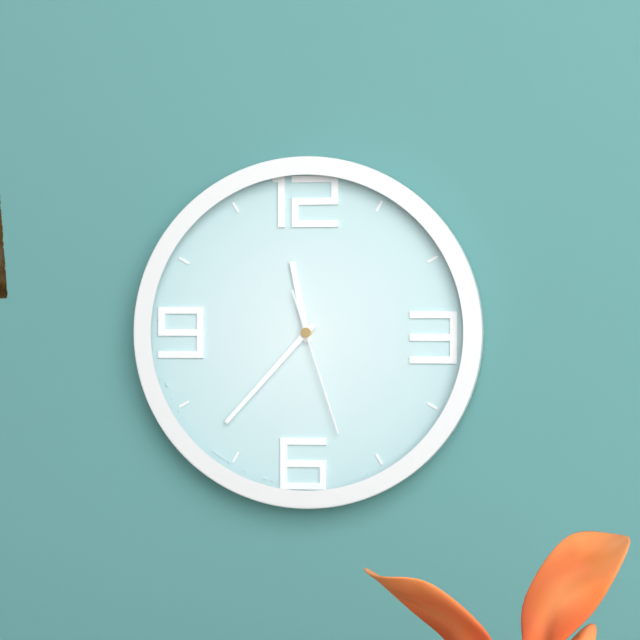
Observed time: 11h37m27s
